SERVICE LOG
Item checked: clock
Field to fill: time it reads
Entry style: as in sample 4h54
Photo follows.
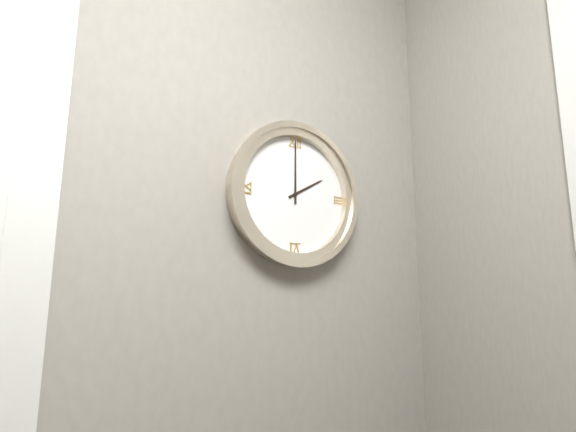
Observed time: 2h00
